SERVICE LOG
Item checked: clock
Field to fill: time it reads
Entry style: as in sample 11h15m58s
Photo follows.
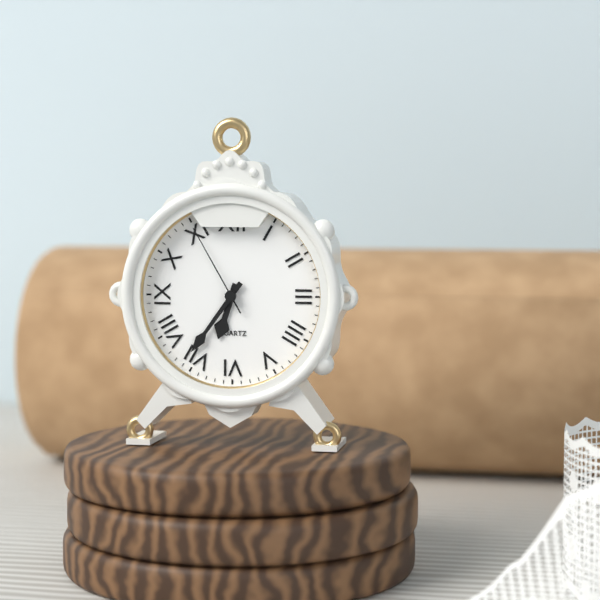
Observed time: 6h36m55s
